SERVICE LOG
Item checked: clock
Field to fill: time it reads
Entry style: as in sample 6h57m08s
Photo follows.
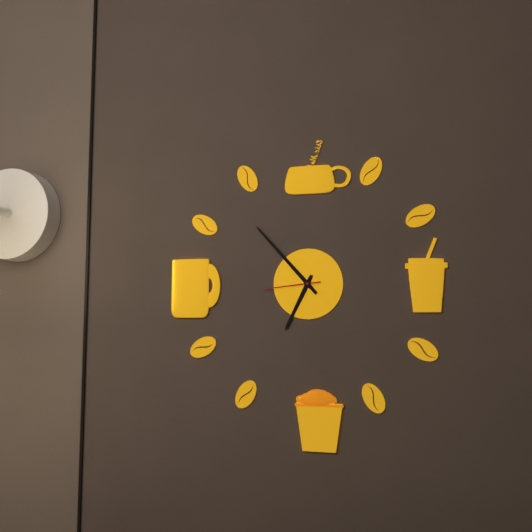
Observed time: 6h53m44s
